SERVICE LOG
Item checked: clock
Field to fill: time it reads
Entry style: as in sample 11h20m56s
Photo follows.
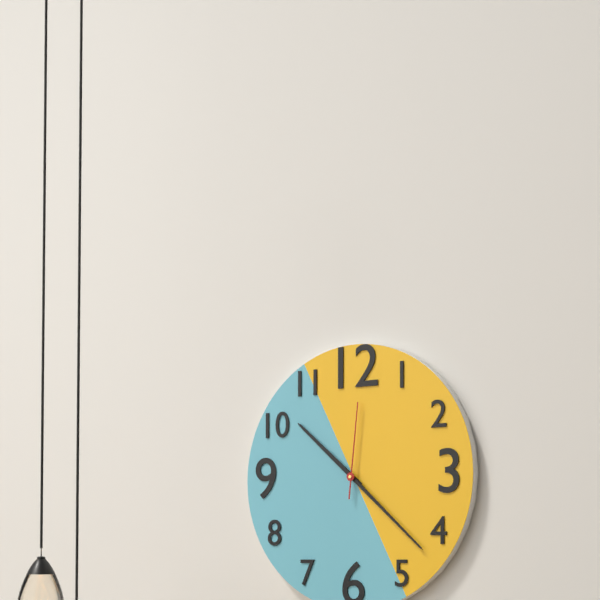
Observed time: 10h22m01s
